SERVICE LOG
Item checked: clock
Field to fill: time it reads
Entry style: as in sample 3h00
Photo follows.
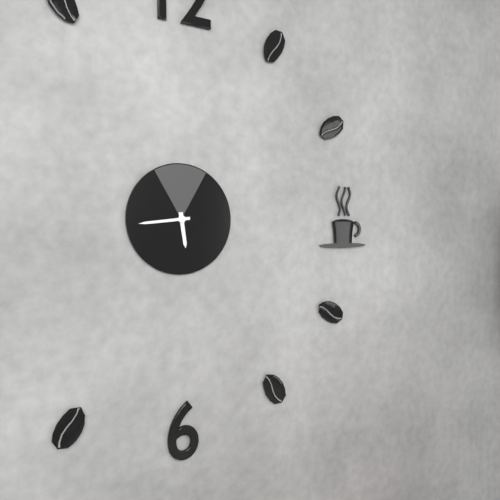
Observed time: 5h44
